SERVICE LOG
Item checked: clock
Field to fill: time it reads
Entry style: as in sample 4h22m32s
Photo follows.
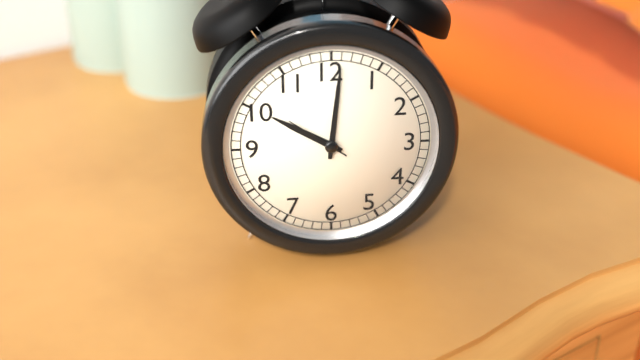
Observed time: 10h01m51s
